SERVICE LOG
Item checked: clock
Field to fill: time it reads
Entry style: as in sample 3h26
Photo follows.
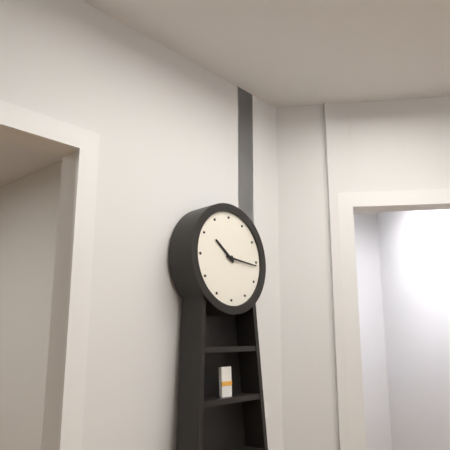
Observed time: 10h16
